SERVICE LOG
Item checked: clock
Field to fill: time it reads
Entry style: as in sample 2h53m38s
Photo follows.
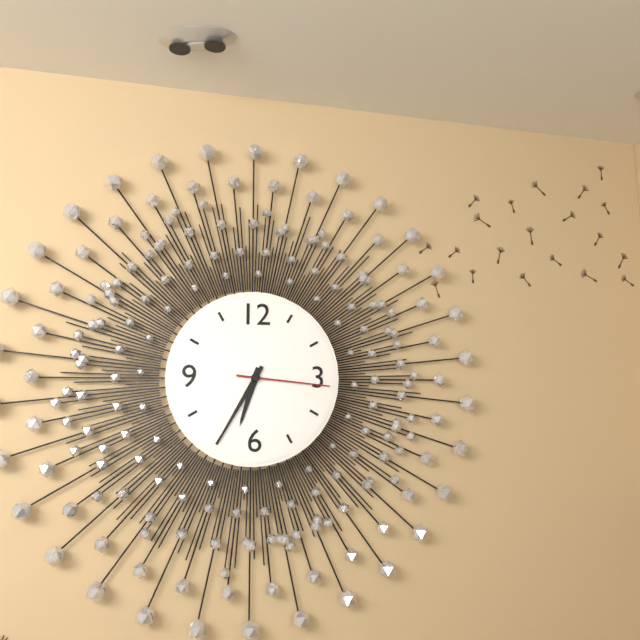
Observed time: 6h35m16s
